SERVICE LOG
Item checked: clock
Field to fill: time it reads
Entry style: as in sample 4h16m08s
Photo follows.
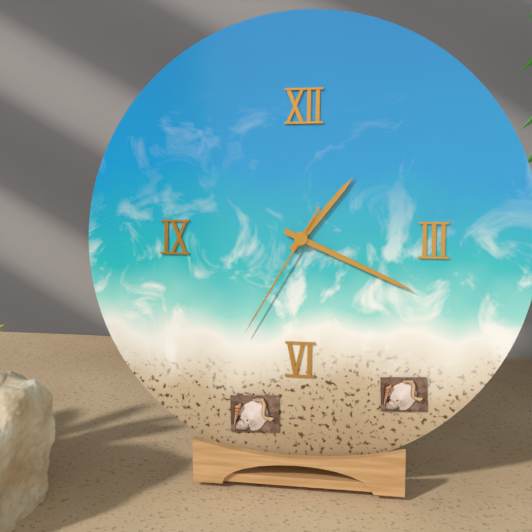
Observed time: 1h19m35s
